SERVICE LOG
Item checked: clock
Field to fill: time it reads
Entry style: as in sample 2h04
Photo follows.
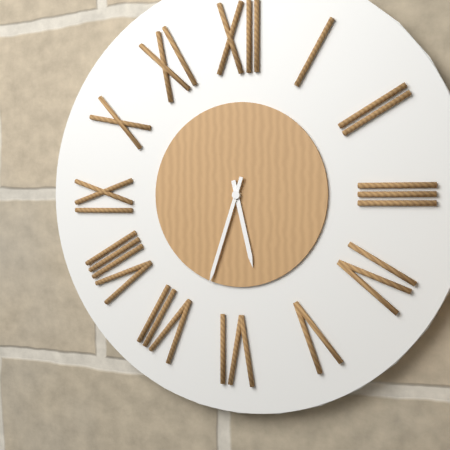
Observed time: 5h33
